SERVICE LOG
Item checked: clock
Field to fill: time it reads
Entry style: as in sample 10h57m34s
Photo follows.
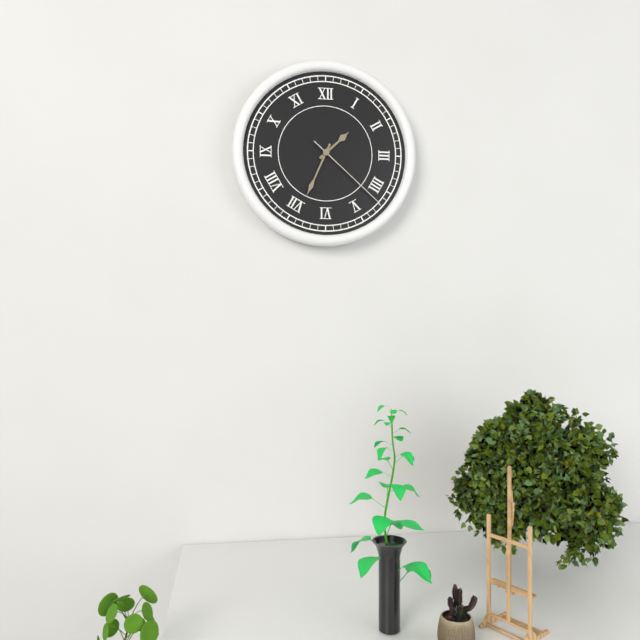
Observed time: 1h34m22s
